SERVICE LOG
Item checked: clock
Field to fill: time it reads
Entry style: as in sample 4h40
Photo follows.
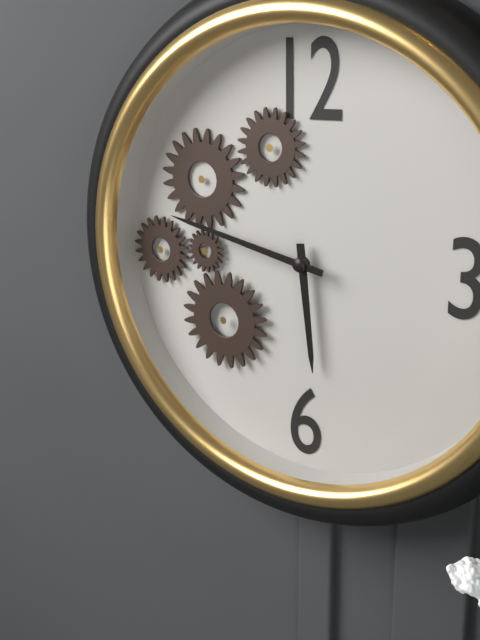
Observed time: 5h47
